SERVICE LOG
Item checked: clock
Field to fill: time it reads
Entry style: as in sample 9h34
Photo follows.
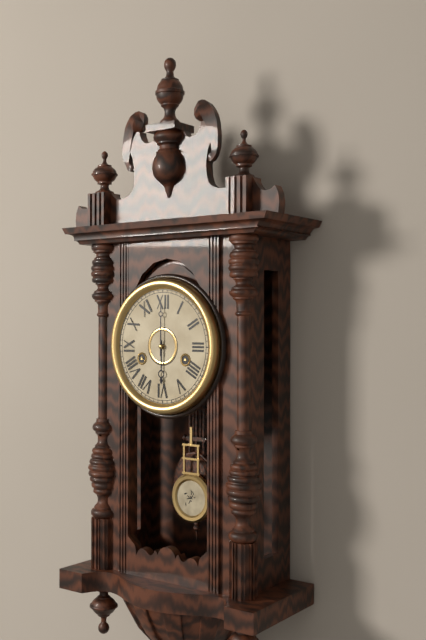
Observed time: 6h00
